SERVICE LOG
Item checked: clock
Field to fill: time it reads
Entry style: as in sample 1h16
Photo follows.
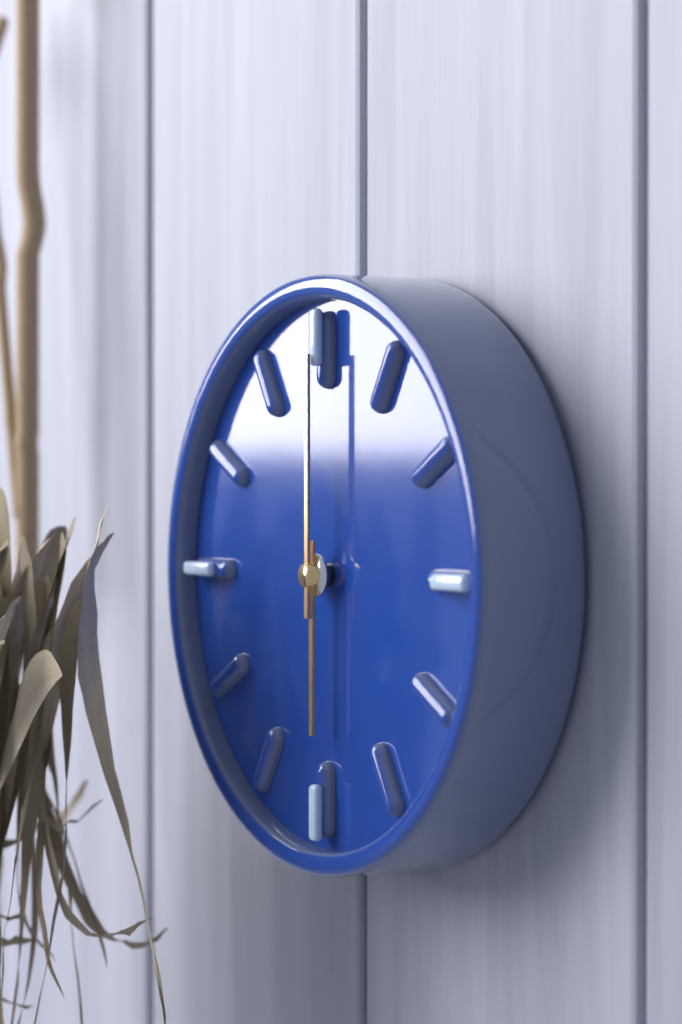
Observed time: 6h00
